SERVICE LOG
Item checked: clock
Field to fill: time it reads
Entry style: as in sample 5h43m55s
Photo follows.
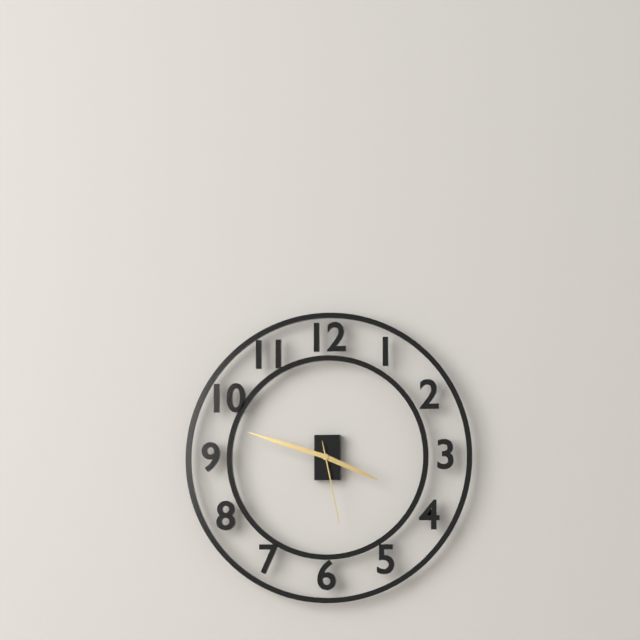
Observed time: 3h48m28s
